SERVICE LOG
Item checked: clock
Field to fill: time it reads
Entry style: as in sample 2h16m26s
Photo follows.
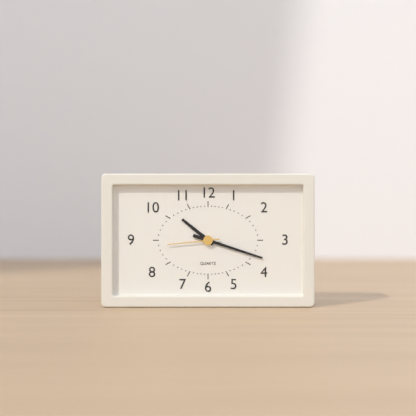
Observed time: 10h18m44s
